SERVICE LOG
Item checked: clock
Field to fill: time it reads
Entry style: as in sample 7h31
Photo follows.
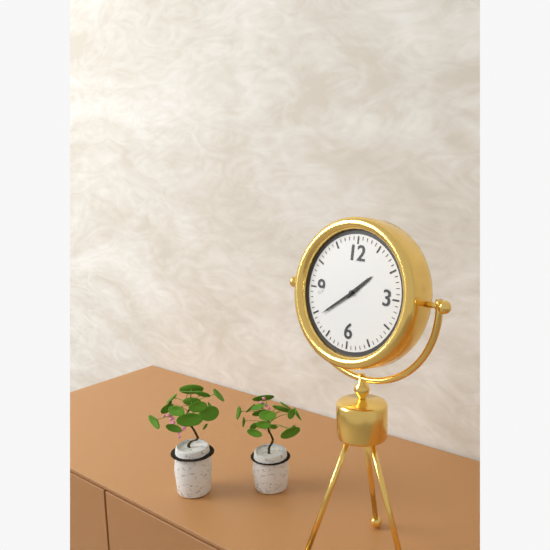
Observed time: 1h39
